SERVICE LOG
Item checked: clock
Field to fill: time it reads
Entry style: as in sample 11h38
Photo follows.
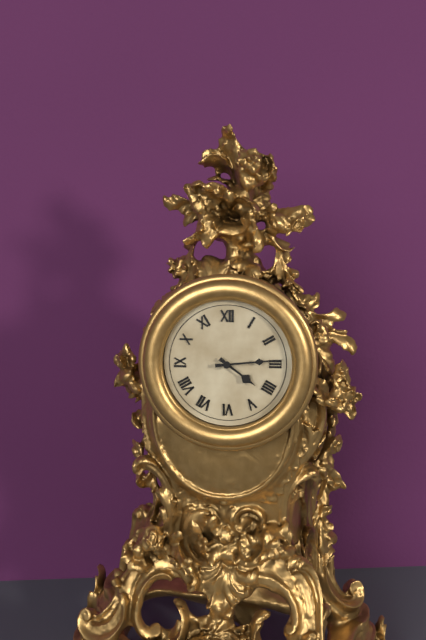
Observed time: 4h14
